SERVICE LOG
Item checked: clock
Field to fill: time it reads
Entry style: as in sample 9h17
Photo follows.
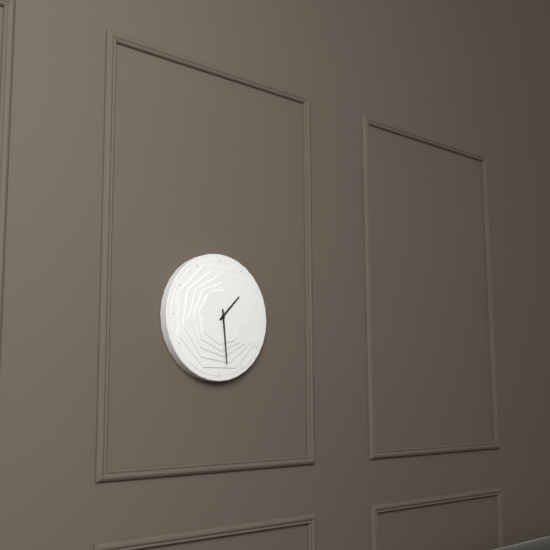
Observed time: 1h29
